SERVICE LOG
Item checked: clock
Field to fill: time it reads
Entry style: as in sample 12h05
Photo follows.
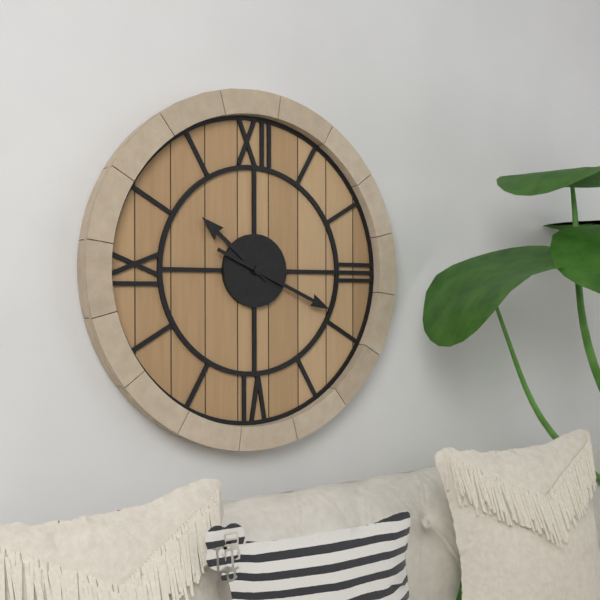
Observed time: 10h19
